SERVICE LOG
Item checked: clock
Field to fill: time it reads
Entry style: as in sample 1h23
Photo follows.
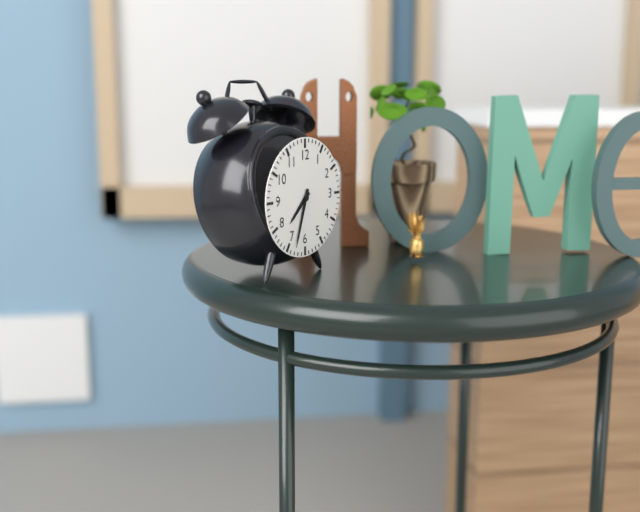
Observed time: 7h33
